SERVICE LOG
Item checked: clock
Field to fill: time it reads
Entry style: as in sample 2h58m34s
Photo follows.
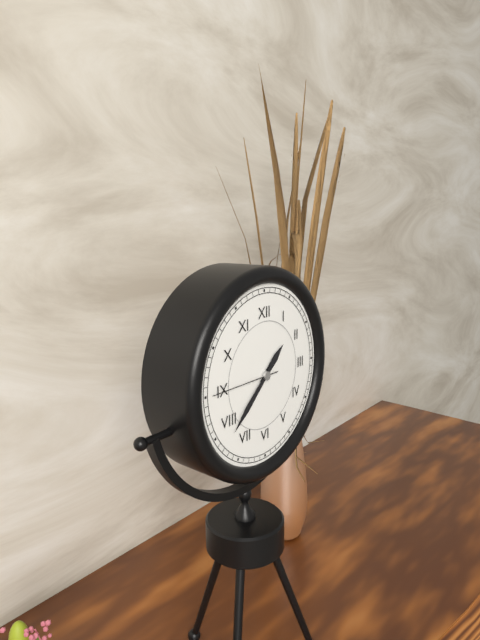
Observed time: 1h38m45s
